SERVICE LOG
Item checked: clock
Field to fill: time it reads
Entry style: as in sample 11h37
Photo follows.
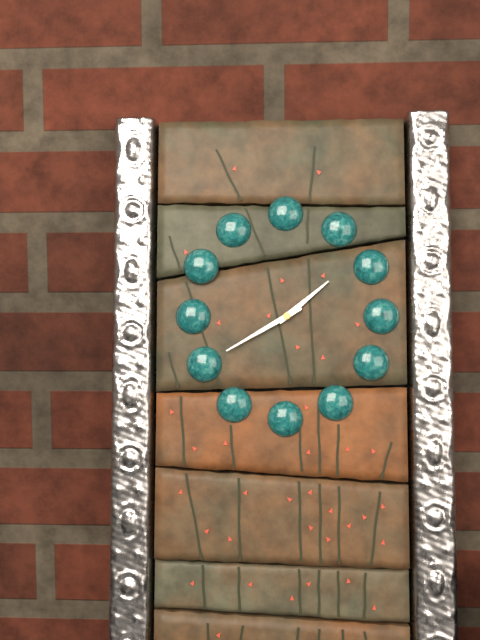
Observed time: 1h40
